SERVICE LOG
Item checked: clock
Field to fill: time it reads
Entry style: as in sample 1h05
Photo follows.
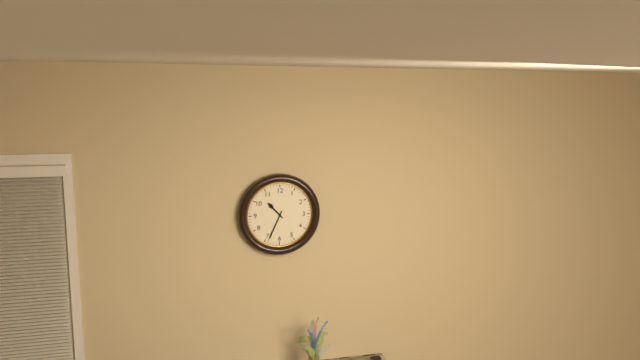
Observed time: 10h34
